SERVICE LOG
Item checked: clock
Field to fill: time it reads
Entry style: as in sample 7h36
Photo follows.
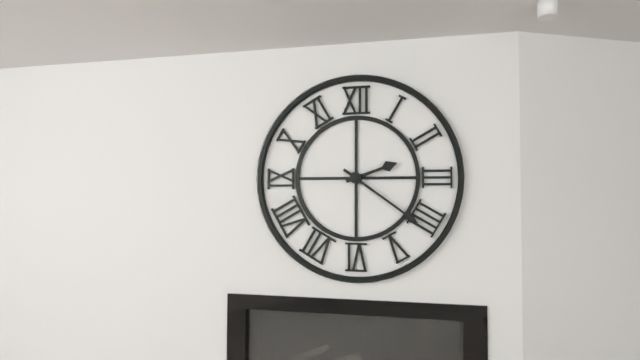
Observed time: 2h21
